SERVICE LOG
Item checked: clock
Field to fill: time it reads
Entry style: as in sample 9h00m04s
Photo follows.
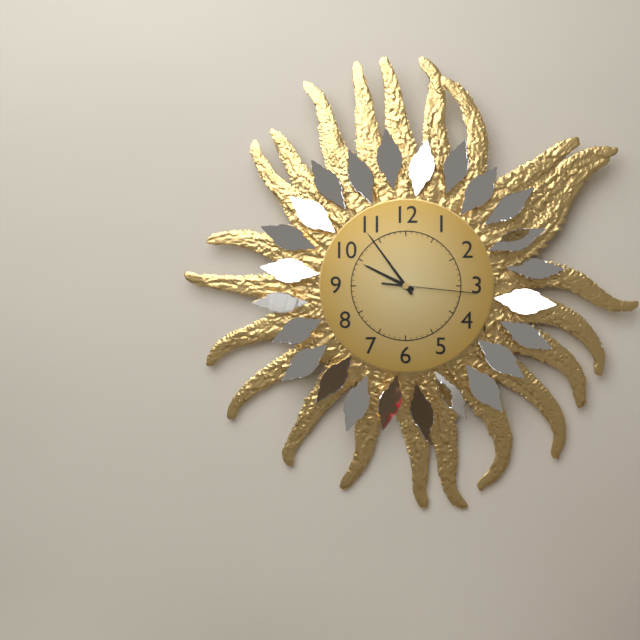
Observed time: 9h54m16s
